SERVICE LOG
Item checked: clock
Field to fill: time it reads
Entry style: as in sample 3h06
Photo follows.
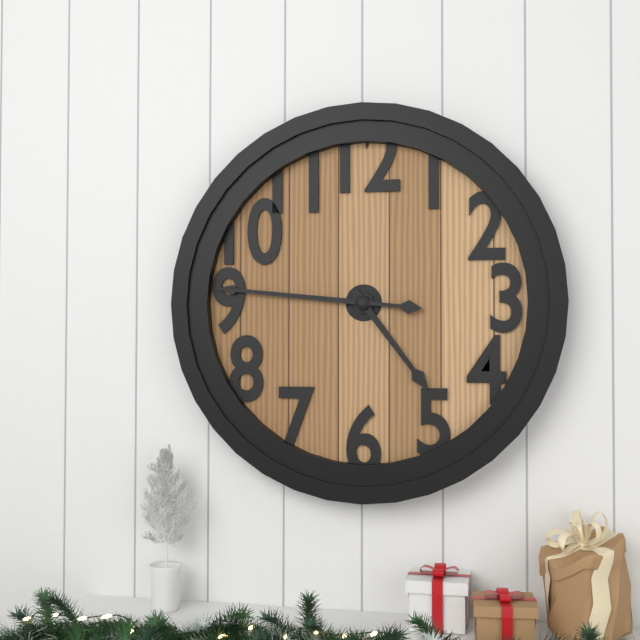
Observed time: 4h46
